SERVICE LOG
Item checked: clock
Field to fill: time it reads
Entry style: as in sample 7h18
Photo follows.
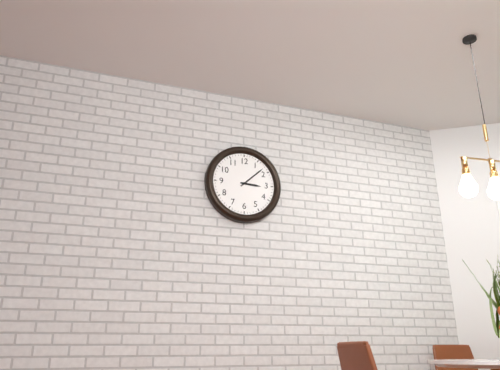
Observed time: 3h08
